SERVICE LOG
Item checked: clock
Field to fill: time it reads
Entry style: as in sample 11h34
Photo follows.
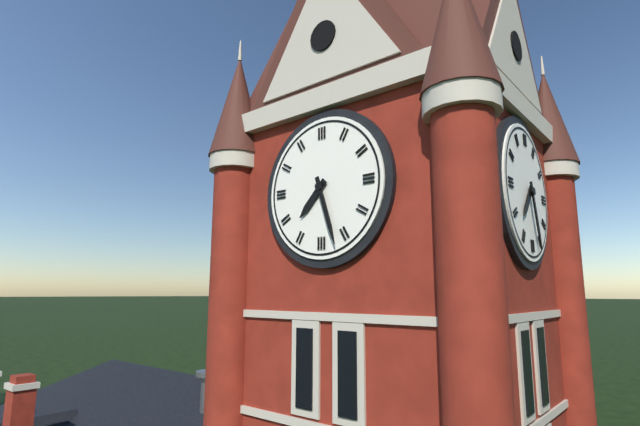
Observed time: 7h27
